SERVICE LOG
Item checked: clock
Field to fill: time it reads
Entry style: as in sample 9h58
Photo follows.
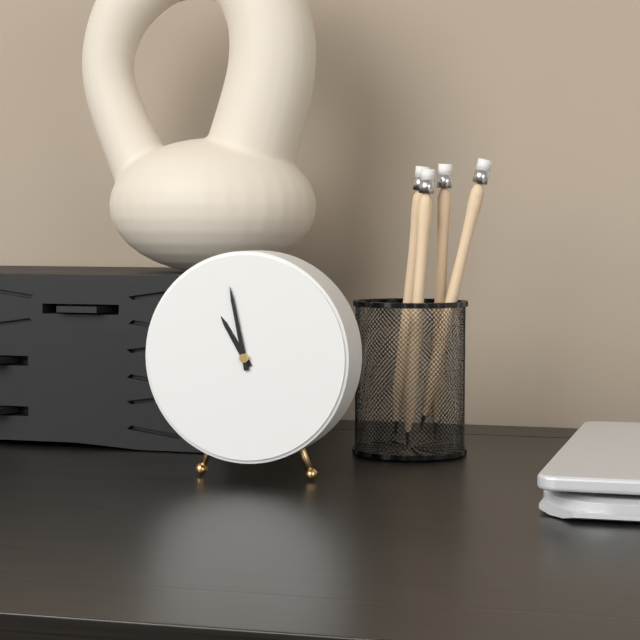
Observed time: 10h58
